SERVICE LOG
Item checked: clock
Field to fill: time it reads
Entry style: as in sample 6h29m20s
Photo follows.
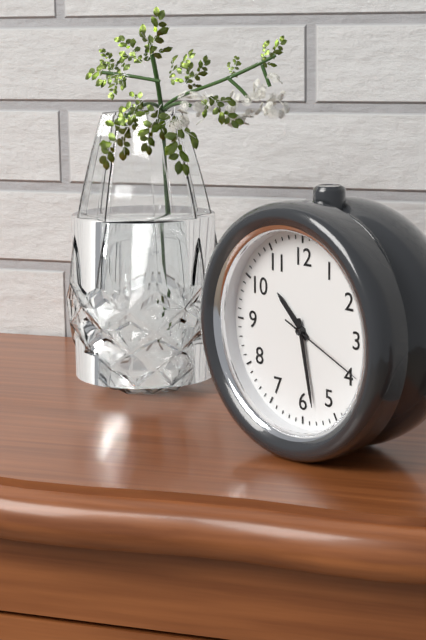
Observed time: 10h28m19s
